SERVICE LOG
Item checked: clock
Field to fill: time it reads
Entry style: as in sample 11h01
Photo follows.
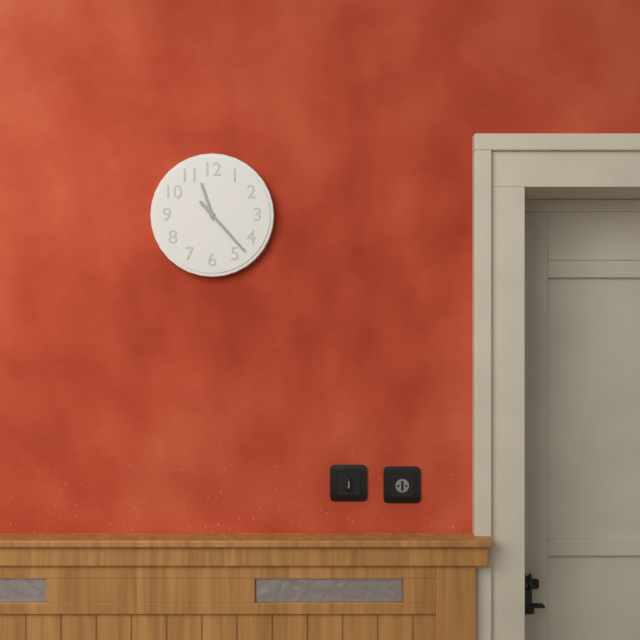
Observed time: 11h23
